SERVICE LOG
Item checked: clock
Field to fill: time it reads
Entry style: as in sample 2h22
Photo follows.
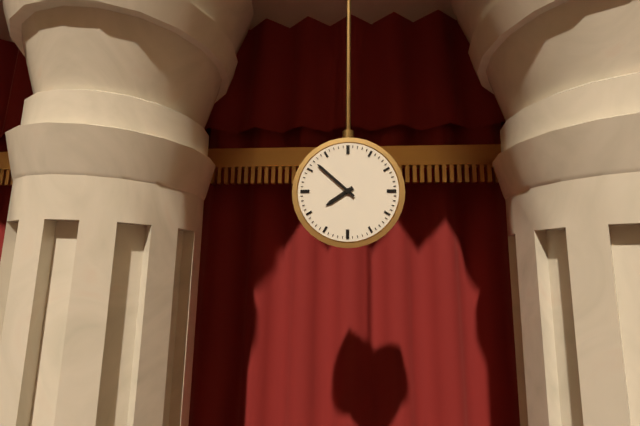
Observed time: 7h52
